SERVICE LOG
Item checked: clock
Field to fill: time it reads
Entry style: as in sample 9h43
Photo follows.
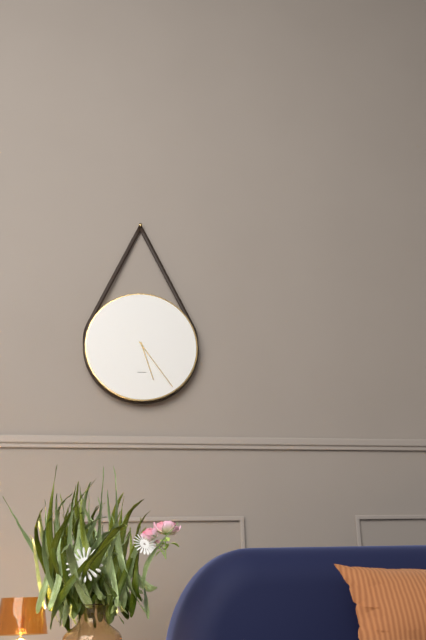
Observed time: 5h24
